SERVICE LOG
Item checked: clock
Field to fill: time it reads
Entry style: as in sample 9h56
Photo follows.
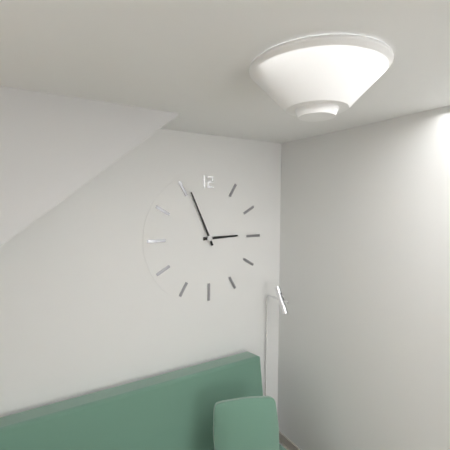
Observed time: 2h56
